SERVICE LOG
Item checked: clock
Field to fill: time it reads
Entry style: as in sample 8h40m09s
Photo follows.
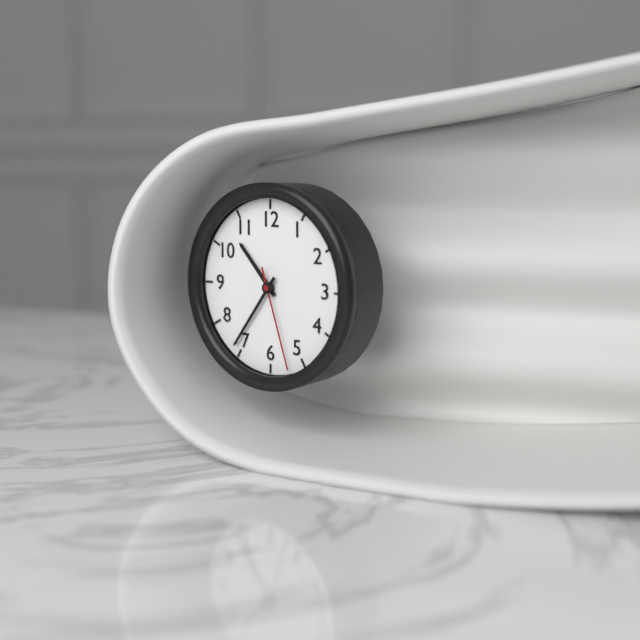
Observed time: 10h36m27s
